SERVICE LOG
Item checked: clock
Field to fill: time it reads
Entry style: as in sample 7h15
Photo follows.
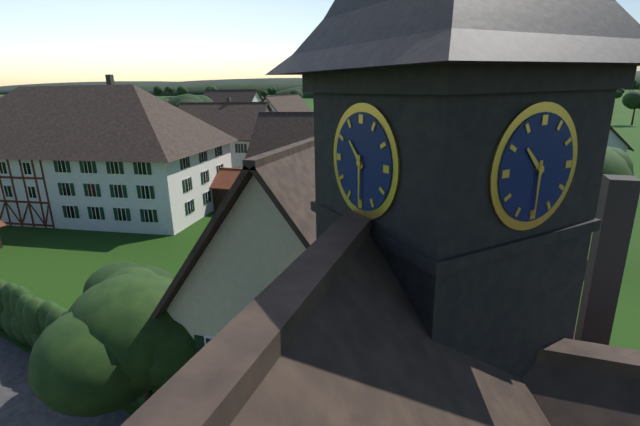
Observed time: 10h30
